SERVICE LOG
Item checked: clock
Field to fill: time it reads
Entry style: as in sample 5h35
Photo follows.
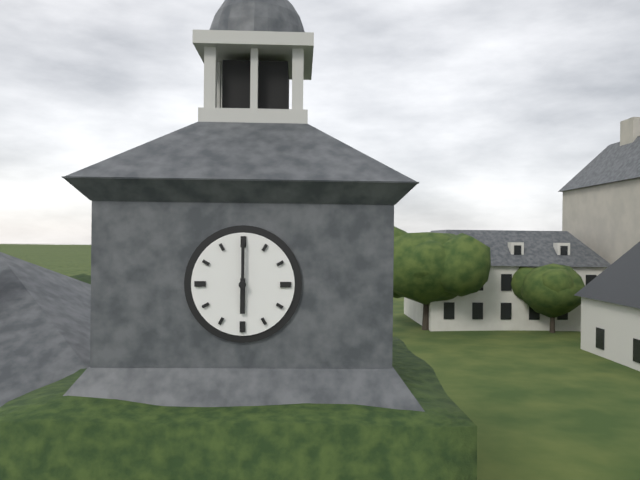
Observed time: 6h00
